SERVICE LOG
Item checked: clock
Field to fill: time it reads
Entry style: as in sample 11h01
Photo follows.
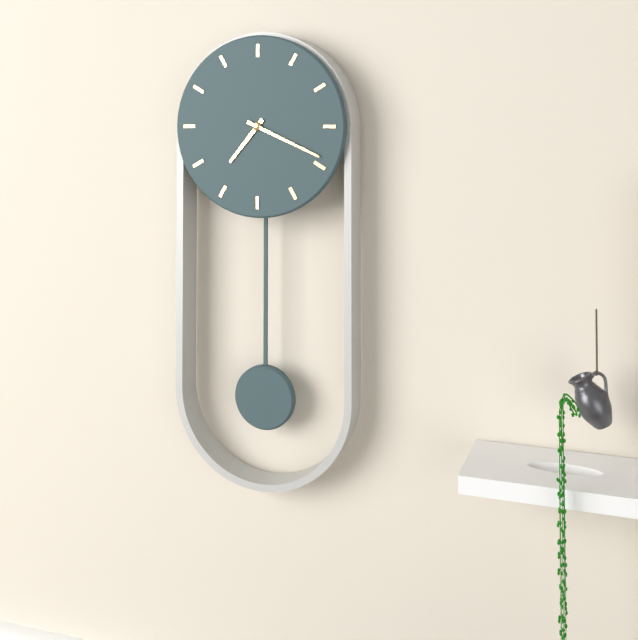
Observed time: 7h19
